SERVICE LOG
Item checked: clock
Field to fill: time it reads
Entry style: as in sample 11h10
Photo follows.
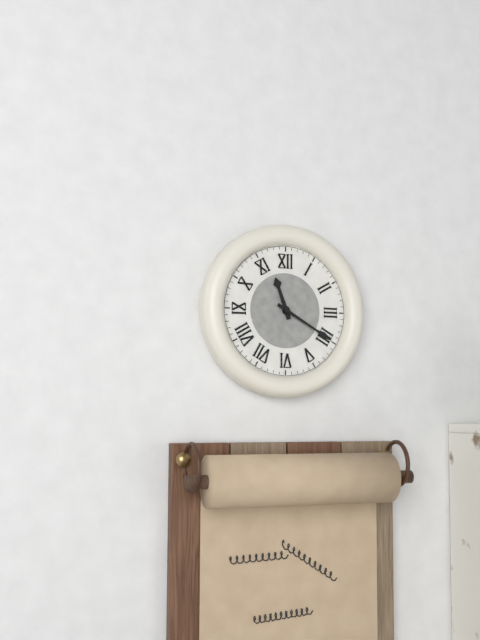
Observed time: 11h20
